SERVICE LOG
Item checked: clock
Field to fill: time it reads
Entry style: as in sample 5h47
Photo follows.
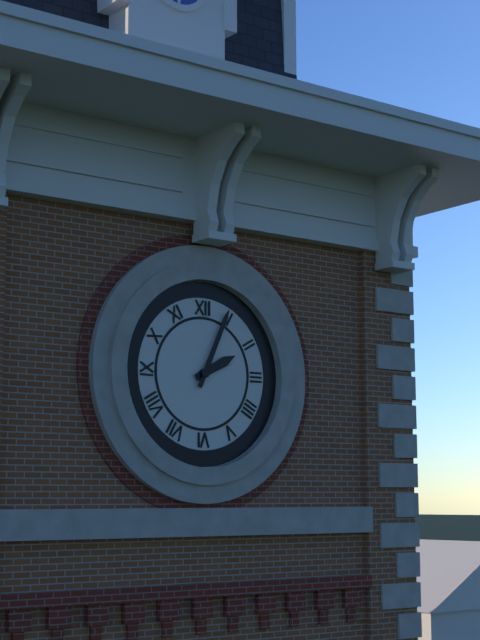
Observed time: 2h04
